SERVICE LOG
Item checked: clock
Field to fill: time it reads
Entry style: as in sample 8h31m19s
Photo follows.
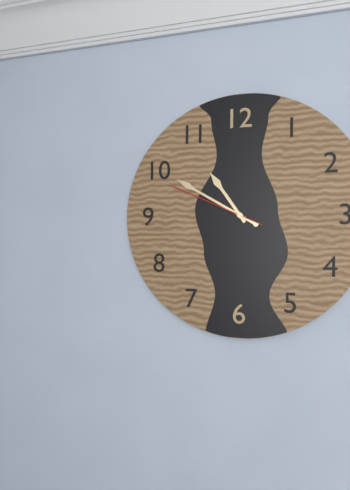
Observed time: 10h50m49s
